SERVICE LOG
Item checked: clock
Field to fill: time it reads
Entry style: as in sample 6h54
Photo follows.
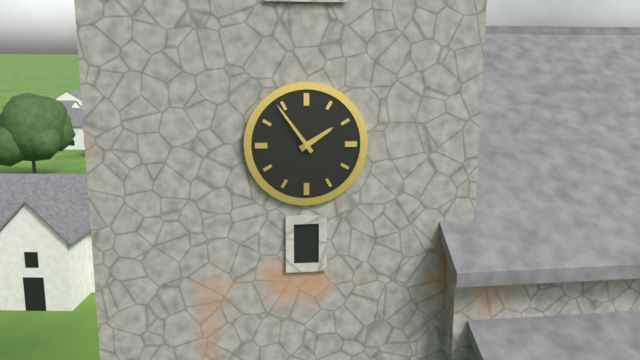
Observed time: 1h54
